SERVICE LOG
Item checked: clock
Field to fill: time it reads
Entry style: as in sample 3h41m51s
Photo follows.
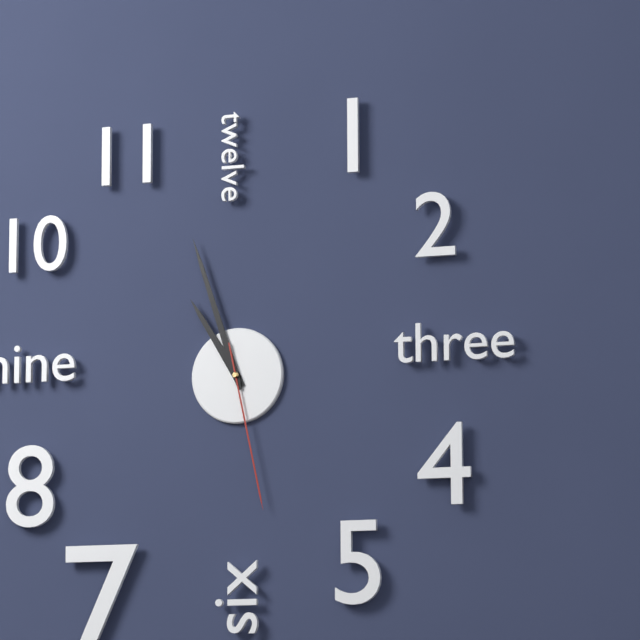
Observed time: 10h57m28s
